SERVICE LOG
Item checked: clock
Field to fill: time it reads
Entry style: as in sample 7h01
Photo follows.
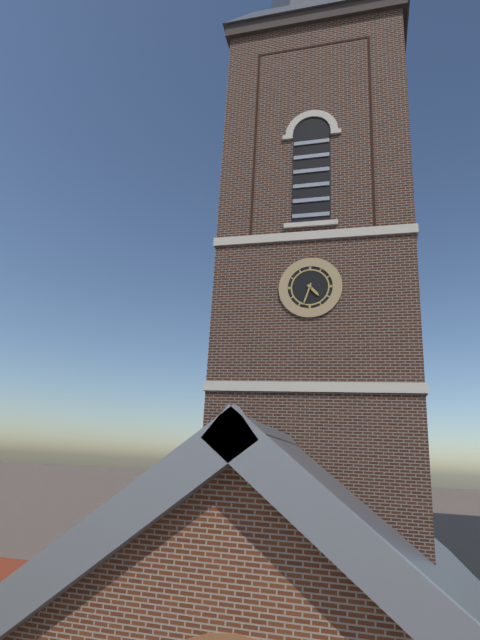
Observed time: 4h33
